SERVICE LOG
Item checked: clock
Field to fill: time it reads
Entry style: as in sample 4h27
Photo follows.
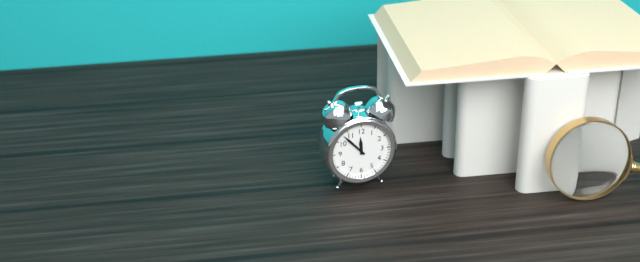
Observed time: 11h53
